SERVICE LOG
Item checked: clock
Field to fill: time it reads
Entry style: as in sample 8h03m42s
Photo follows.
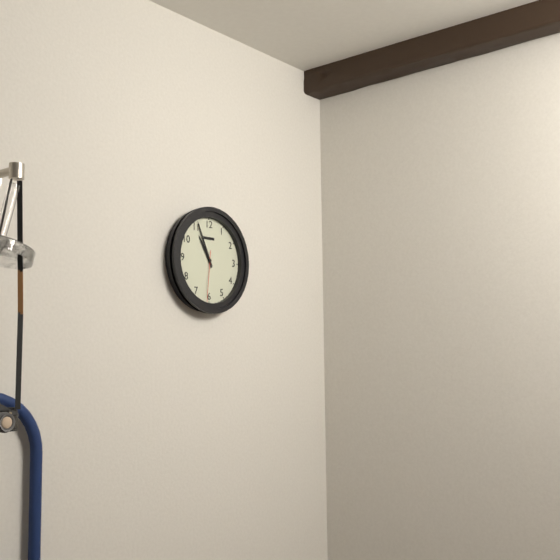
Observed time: 10h56m31s
